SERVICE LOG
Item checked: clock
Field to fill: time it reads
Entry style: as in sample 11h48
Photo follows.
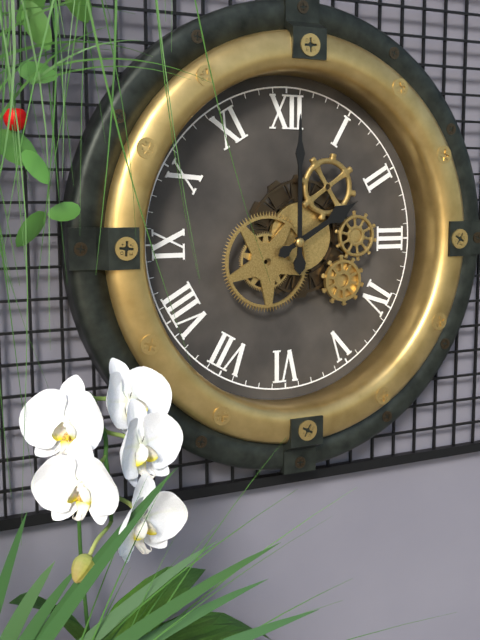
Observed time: 2h00
